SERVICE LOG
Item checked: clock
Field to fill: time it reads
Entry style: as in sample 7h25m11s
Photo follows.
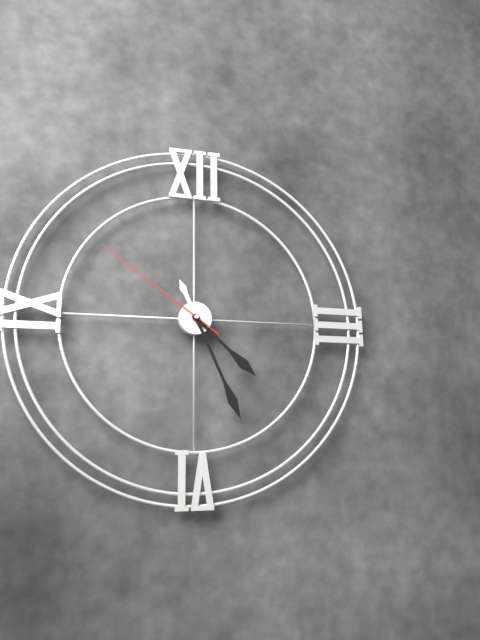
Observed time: 4h26m51s
